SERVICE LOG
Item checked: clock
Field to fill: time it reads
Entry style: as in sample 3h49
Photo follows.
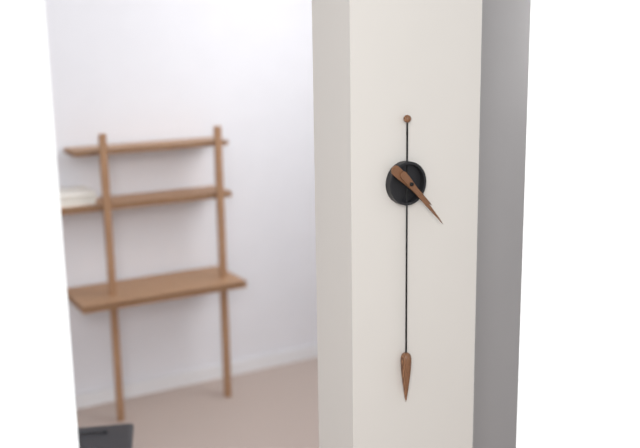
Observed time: 4h23
